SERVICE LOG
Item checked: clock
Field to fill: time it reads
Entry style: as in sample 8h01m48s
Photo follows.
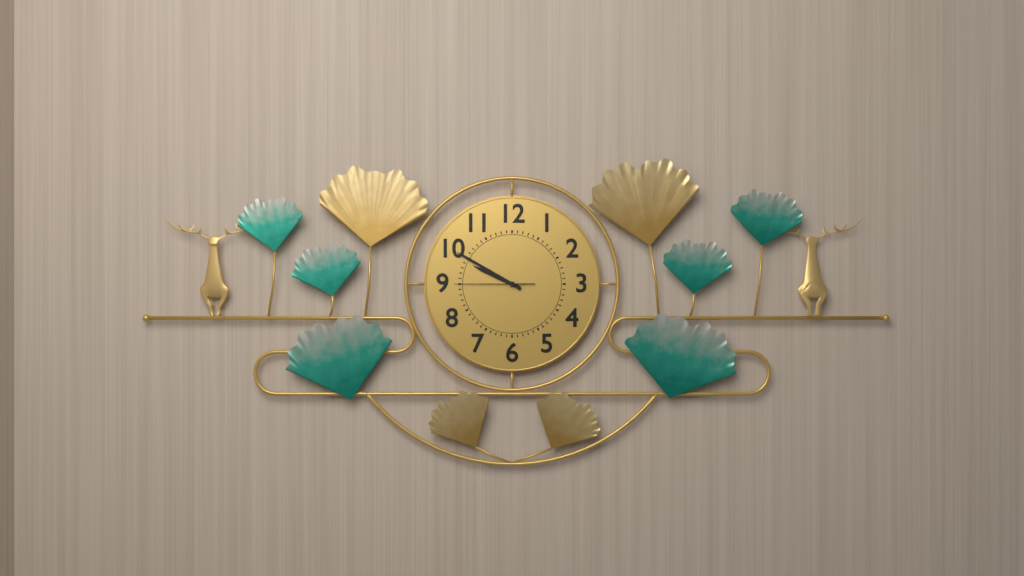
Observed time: 9h50m45s
